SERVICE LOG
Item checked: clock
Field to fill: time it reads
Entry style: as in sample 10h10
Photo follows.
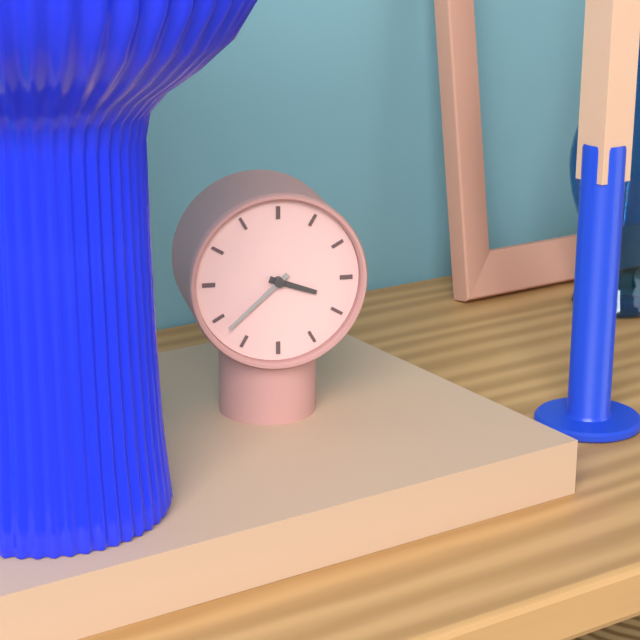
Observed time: 3h38
